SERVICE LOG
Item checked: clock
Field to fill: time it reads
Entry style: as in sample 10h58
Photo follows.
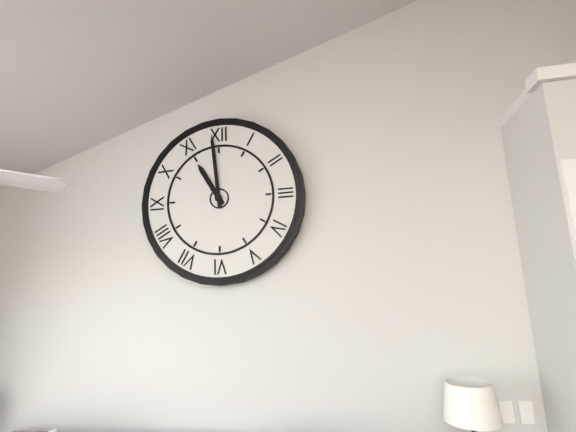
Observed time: 10h59
